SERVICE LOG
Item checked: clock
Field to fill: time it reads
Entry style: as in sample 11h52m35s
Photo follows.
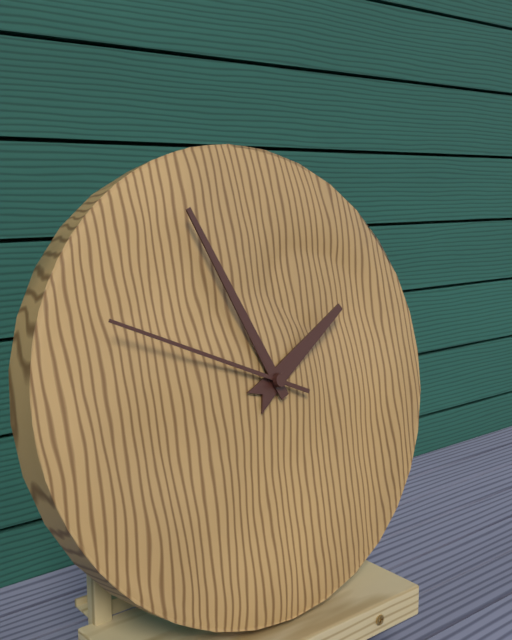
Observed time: 1h56m49s
